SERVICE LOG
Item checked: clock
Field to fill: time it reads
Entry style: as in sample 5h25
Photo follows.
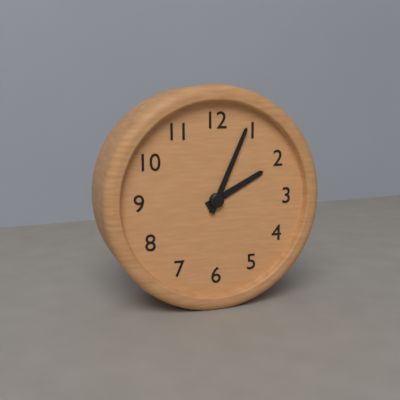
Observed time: 2h04
